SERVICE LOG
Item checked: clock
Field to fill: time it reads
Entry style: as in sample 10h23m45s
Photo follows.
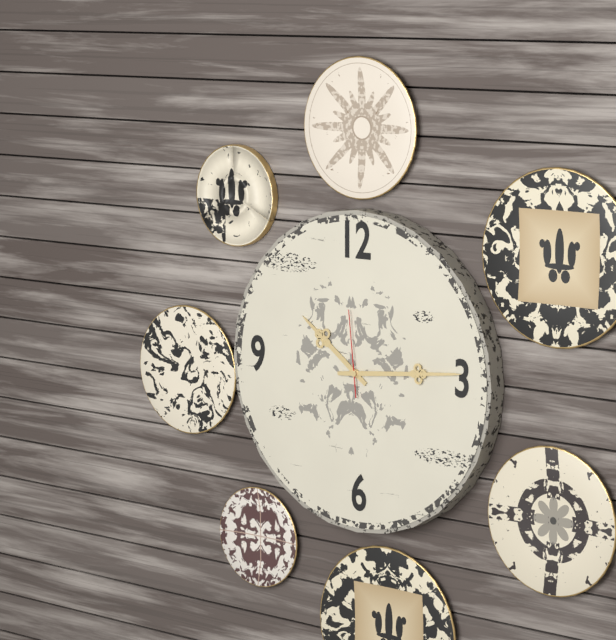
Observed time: 10h14m59s
